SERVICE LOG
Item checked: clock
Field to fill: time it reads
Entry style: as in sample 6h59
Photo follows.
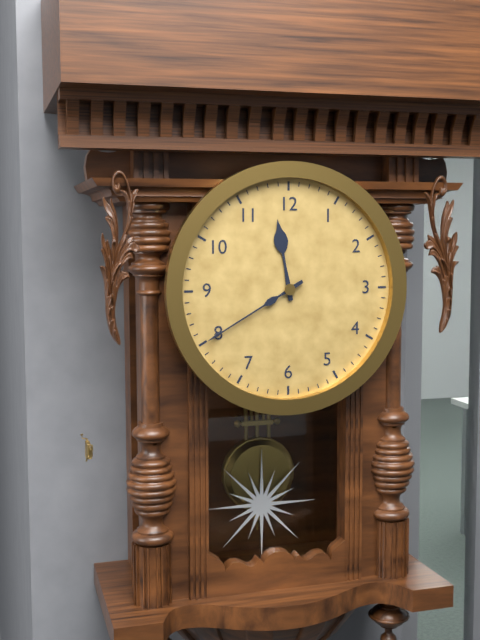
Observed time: 11h40
